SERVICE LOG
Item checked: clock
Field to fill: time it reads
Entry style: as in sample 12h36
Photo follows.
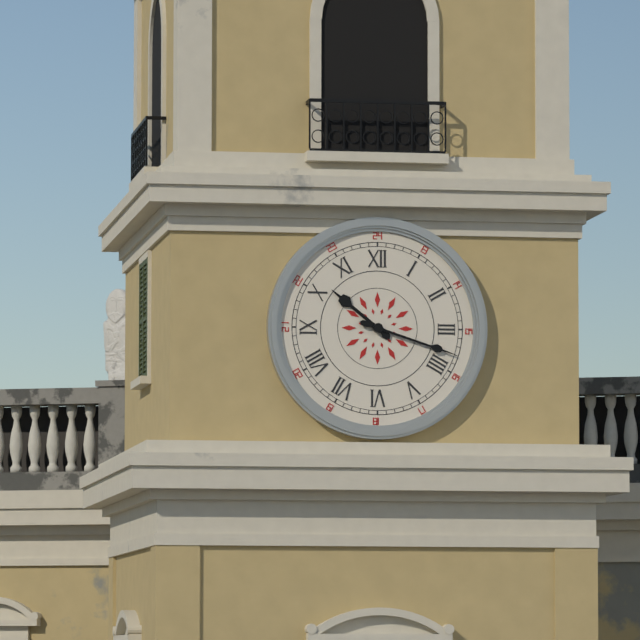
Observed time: 10h18
